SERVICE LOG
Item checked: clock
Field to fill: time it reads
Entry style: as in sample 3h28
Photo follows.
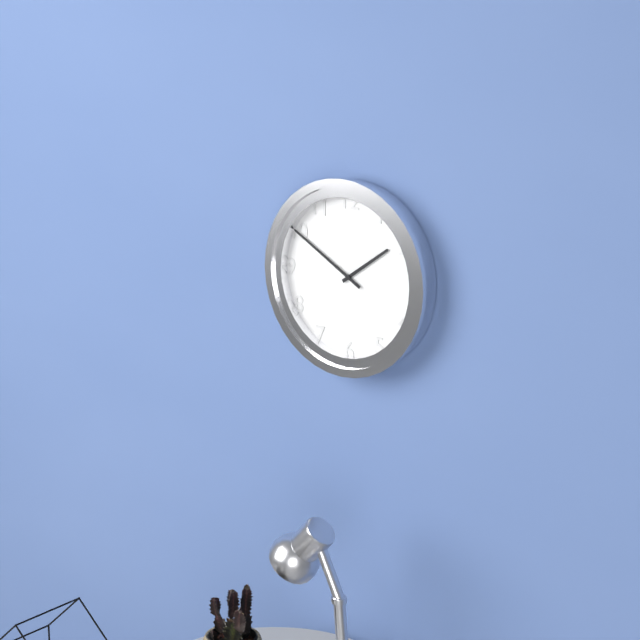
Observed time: 1h50
